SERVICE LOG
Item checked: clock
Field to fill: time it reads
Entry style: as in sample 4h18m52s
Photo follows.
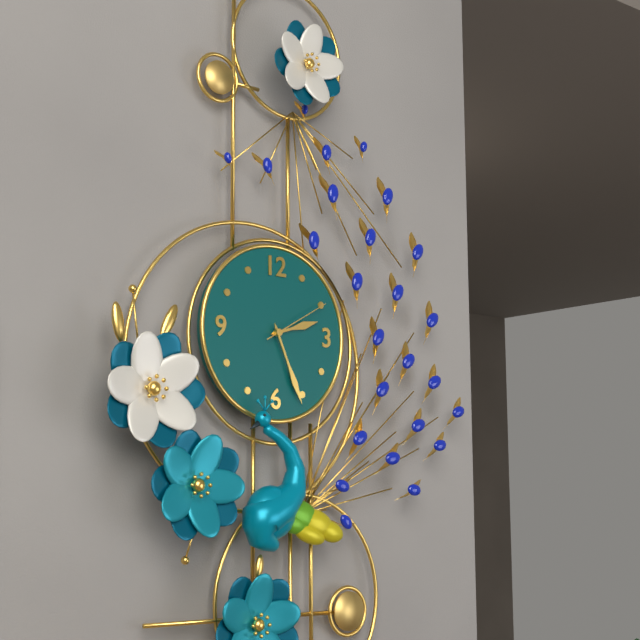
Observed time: 2h26m10s
